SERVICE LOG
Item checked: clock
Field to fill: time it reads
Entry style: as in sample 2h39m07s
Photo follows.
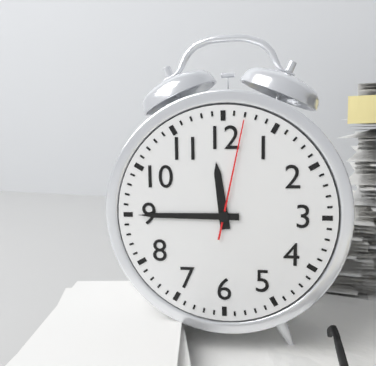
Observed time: 11h45m02s
